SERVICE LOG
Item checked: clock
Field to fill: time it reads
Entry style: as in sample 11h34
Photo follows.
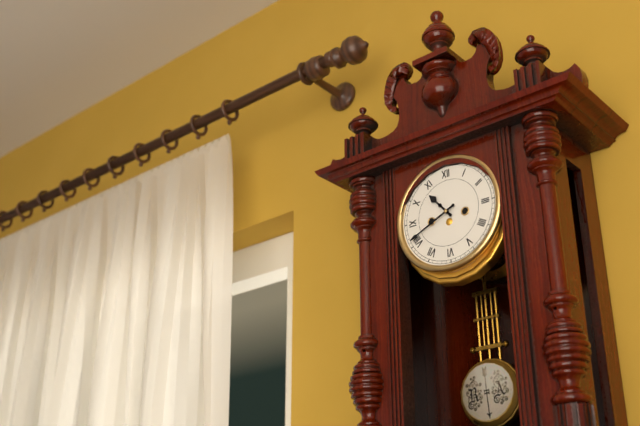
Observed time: 10h41
